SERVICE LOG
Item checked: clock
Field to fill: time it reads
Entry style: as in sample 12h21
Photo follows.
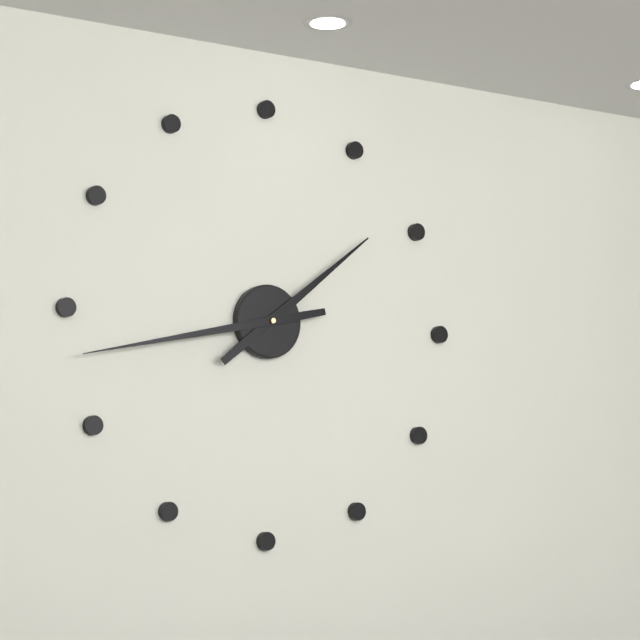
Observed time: 1h43
